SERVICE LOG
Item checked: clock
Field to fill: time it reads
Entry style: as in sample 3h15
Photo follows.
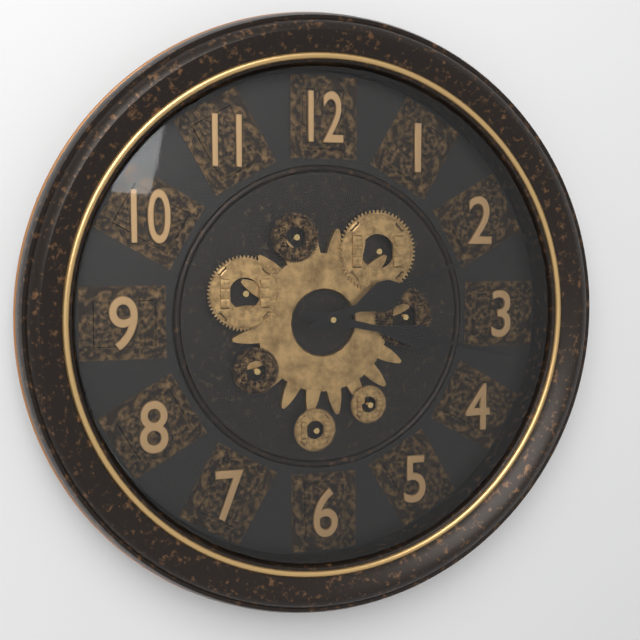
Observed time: 2h17
